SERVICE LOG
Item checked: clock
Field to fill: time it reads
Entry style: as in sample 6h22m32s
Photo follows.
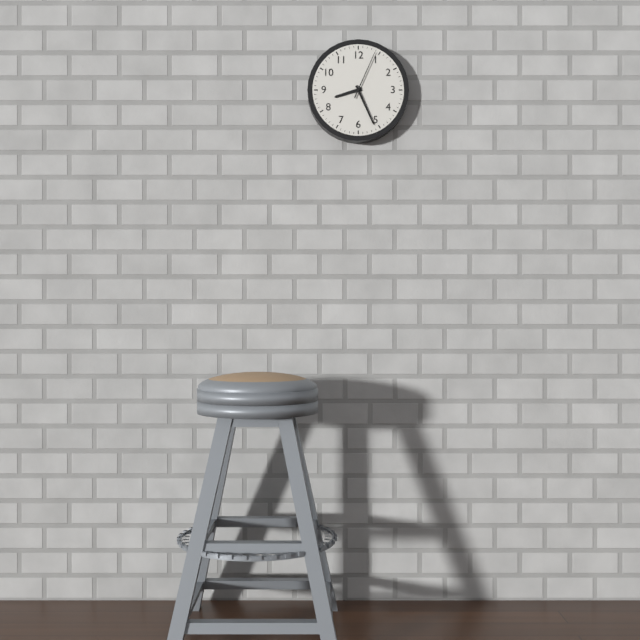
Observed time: 8h26m04s
